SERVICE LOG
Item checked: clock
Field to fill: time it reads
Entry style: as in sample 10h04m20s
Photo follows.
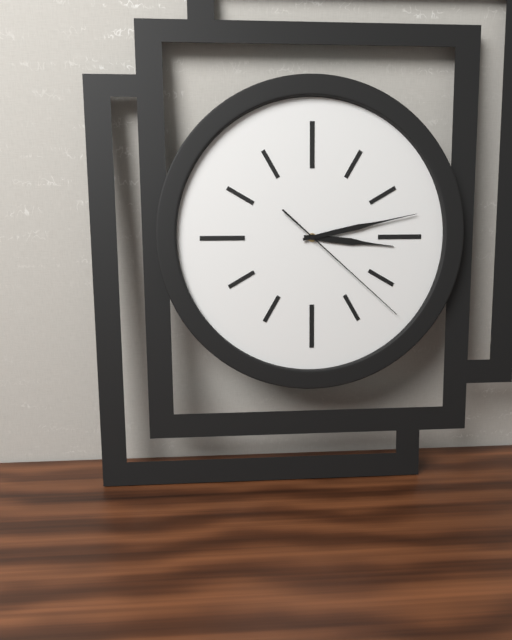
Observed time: 3h13m22s
